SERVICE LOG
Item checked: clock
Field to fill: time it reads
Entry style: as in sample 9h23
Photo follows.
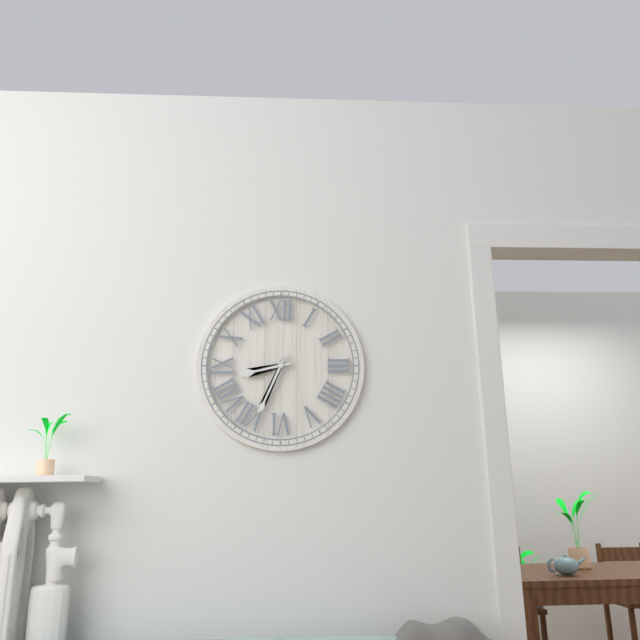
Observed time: 8h34
